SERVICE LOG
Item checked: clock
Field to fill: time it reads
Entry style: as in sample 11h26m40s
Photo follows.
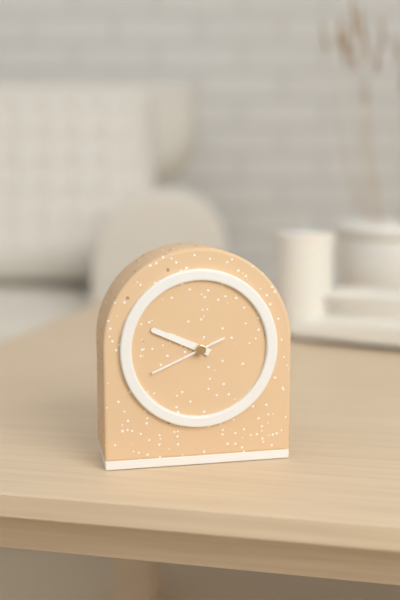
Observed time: 9h49m41s
